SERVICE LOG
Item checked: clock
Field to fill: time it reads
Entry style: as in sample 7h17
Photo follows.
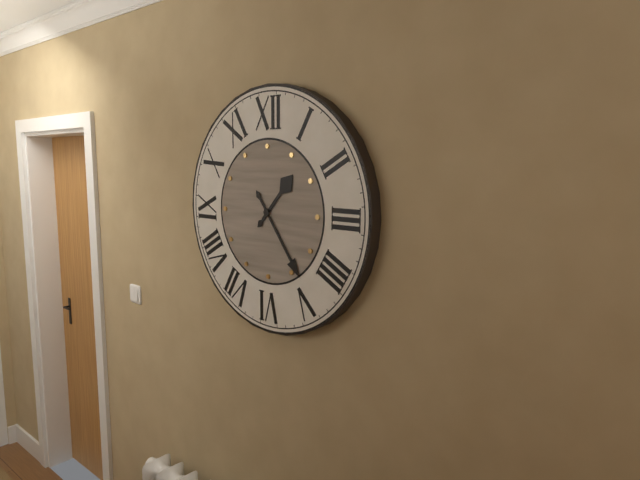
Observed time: 1h24
